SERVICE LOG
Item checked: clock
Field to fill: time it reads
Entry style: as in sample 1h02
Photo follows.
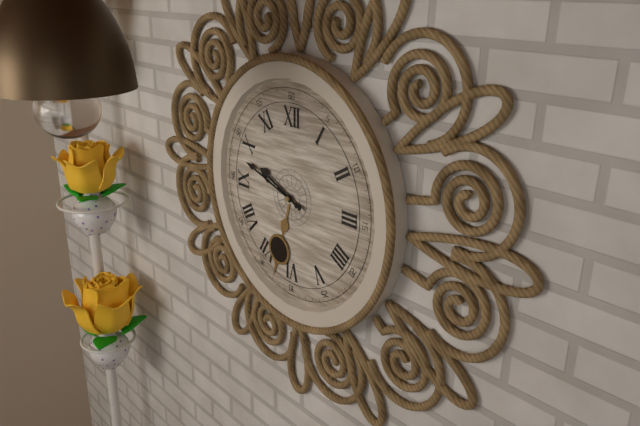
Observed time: 9h48
